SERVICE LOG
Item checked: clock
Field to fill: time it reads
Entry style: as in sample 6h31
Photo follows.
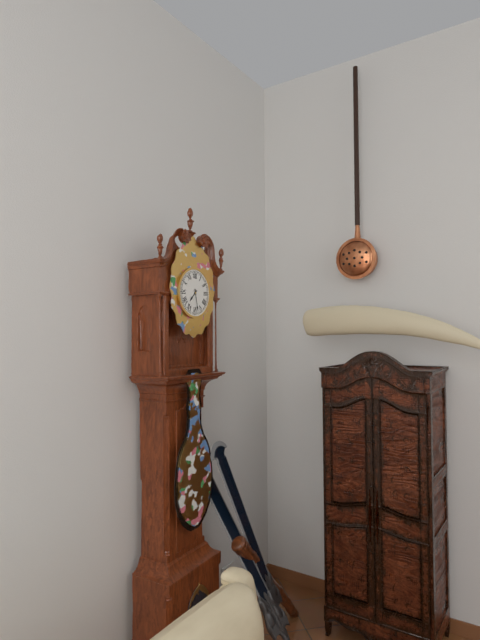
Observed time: 7h28
